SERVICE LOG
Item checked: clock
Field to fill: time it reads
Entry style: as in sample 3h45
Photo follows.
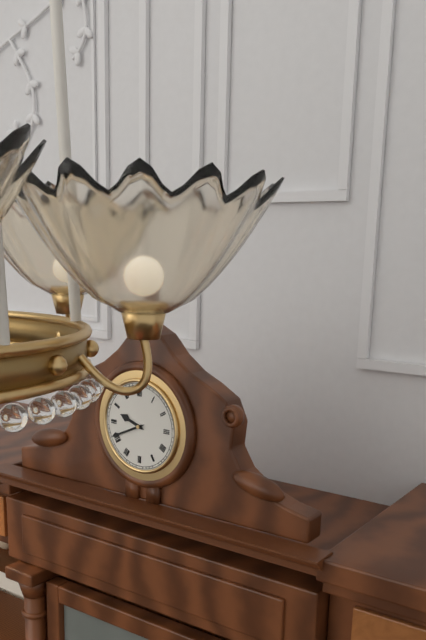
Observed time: 9h41
